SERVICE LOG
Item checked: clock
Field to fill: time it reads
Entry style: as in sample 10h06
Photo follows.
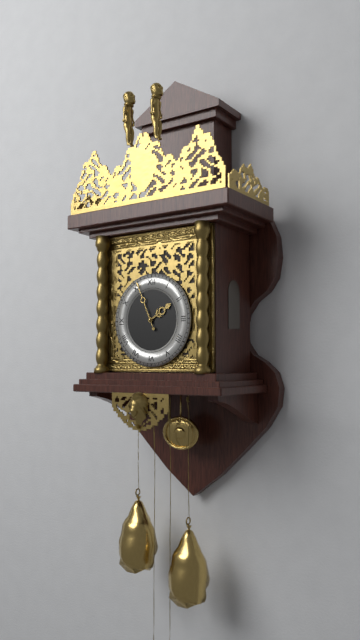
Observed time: 1h56
